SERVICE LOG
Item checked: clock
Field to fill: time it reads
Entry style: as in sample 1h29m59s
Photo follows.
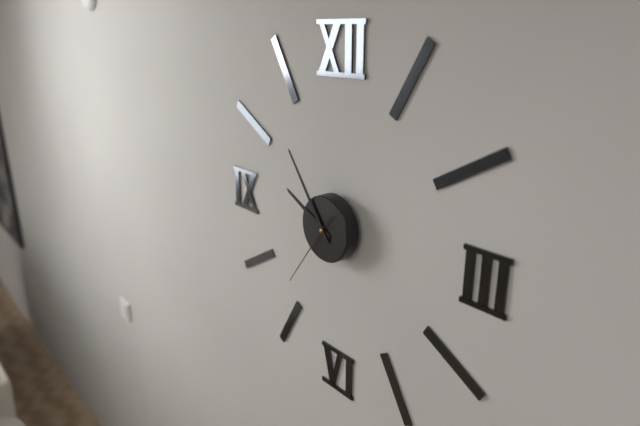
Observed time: 9h54m36s
